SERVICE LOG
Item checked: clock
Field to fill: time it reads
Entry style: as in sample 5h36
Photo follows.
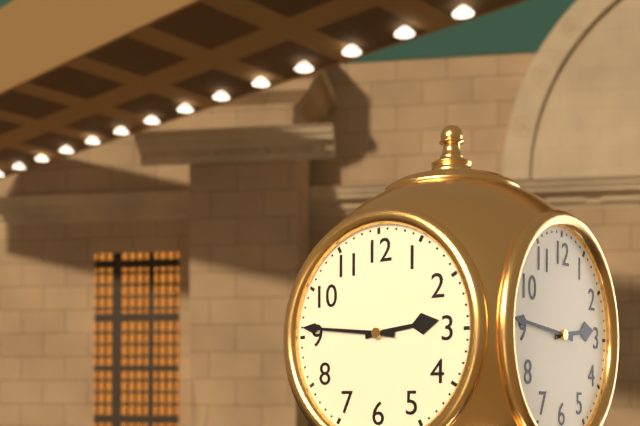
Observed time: 2h46
